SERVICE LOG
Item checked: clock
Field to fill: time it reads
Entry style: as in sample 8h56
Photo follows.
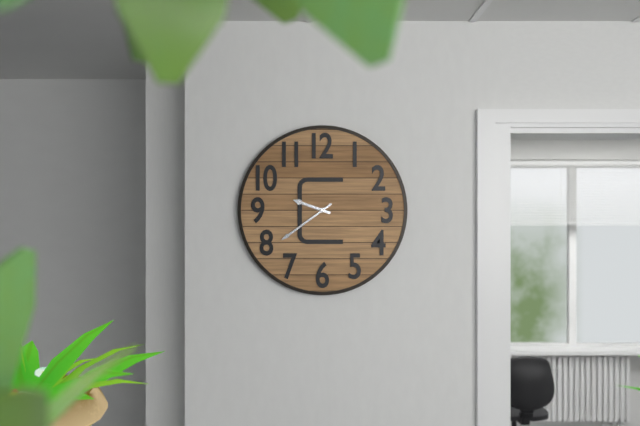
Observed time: 9h39
